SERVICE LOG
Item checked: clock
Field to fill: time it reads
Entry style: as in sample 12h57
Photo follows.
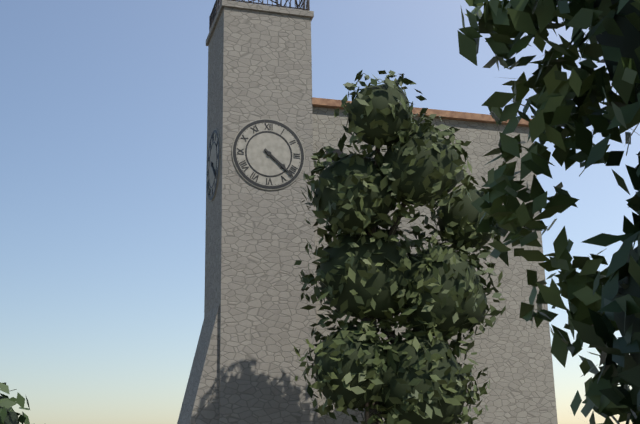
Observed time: 4h22
